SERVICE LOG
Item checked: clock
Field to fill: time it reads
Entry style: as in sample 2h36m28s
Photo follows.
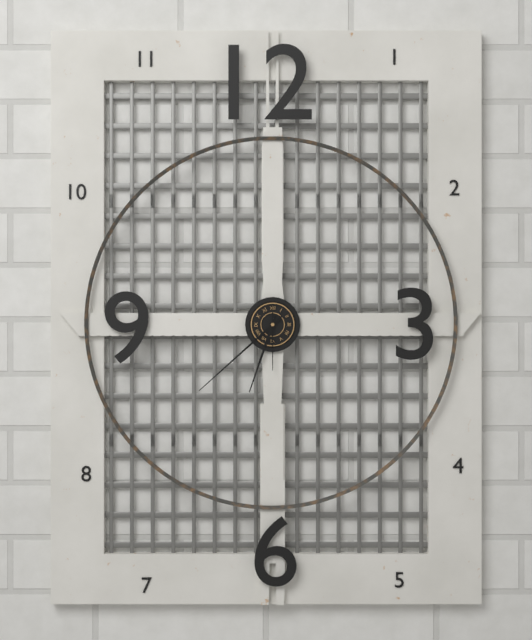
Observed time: 6h38m30s
